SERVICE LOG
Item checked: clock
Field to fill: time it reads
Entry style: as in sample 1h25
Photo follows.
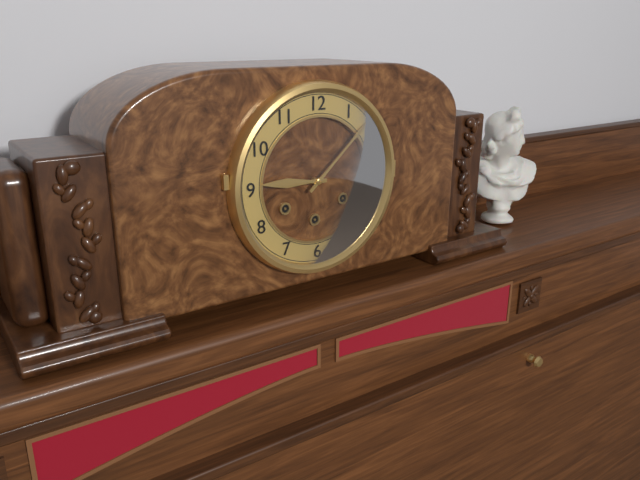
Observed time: 9h08
